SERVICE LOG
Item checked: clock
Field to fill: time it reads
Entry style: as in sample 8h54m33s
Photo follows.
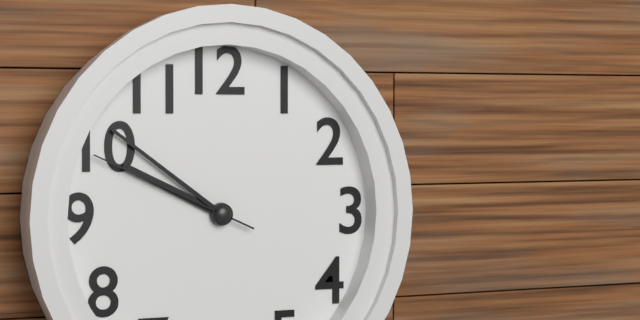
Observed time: 9h51m49s
